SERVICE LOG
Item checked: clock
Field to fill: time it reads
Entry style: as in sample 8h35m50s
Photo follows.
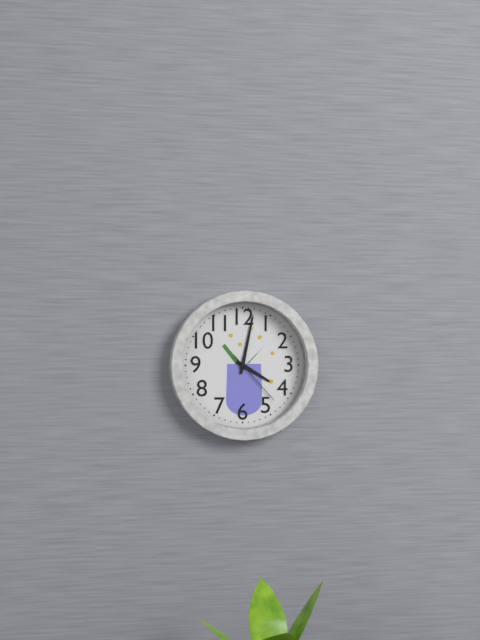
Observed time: 4h02m23s
